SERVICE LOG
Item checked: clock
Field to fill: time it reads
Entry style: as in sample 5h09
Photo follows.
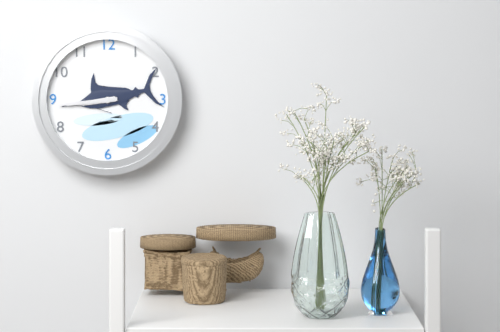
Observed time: 8h44
